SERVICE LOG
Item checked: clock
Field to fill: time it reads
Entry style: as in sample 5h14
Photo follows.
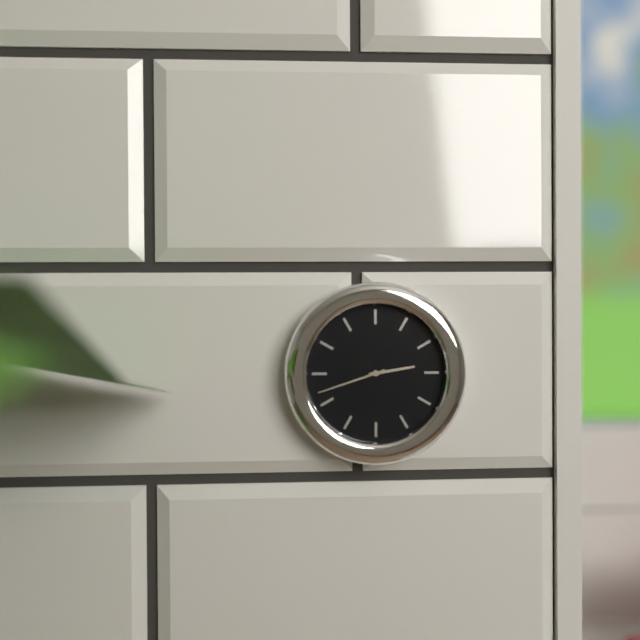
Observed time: 2h42
